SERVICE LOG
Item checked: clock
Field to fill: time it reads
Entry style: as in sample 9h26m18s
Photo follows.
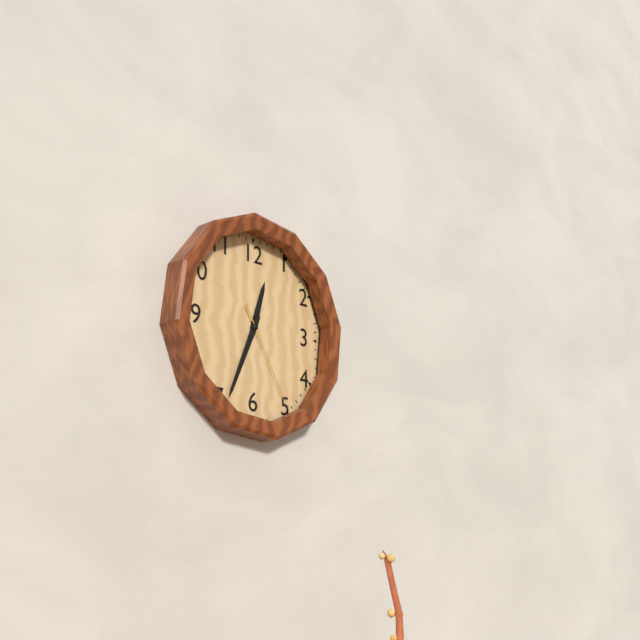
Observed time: 12h34m25s
